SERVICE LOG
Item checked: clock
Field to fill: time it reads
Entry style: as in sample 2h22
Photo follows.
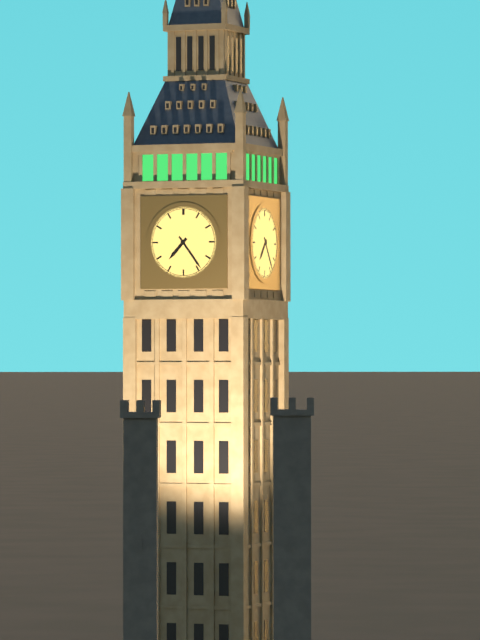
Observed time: 7h24
